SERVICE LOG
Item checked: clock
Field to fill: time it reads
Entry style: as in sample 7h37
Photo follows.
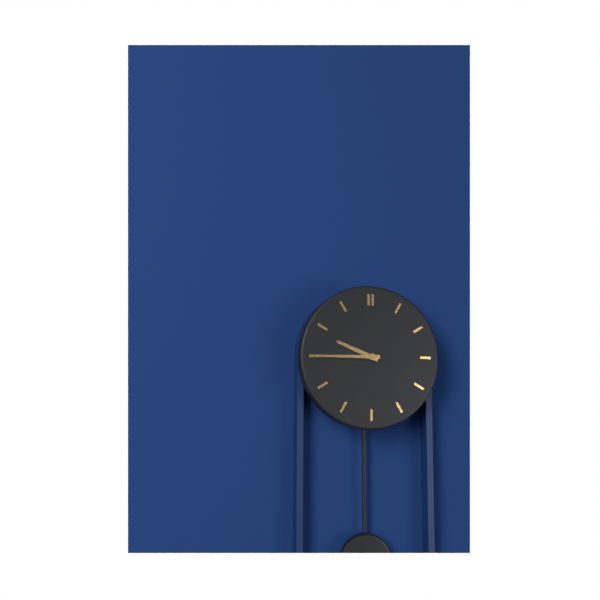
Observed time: 9h45
